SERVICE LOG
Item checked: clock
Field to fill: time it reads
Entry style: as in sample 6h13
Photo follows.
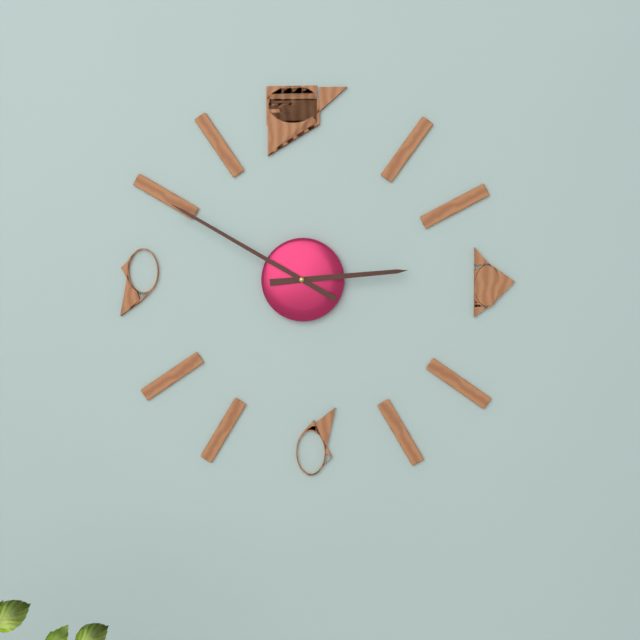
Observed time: 2h50
